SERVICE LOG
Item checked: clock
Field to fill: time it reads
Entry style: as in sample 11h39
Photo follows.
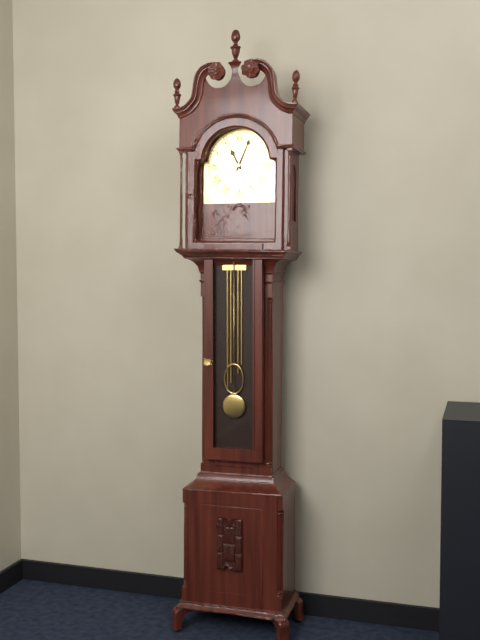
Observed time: 11h04
